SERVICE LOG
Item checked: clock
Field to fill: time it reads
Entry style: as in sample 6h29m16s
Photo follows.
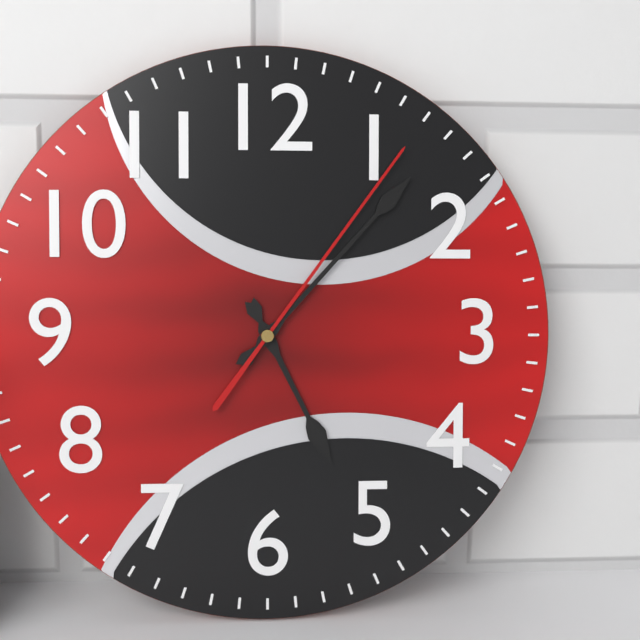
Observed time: 5h07m06s
